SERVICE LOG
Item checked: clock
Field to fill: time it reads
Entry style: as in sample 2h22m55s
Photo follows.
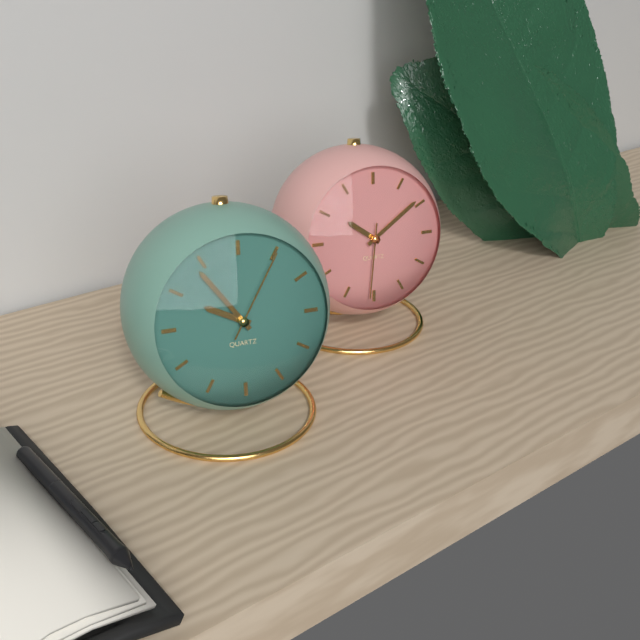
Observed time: 9h54m05s
